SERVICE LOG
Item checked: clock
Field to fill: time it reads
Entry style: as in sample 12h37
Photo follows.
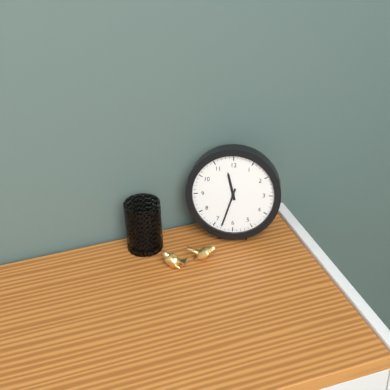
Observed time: 11h33
